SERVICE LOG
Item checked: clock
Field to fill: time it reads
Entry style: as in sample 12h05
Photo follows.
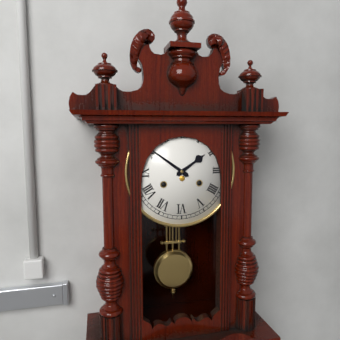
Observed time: 1h51
